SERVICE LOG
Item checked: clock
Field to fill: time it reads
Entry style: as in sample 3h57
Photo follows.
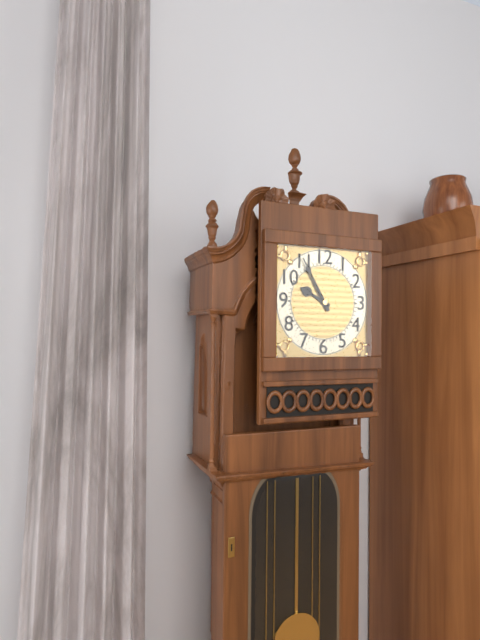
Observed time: 9h55
